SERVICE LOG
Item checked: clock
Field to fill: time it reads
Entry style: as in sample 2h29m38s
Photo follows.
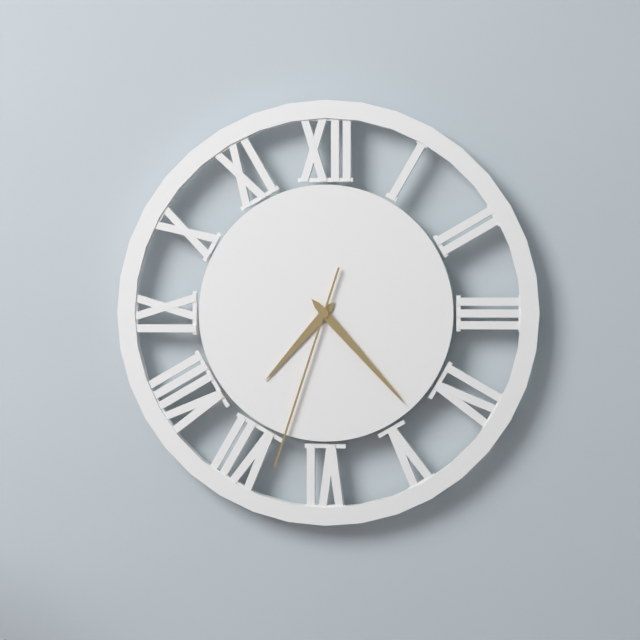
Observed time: 7h23m33s
